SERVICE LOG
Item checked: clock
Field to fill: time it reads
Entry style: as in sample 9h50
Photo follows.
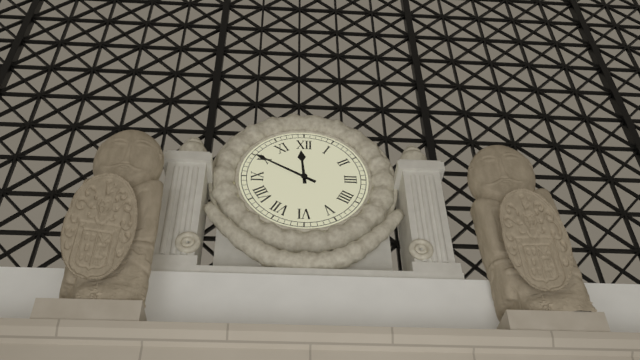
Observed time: 11h50
